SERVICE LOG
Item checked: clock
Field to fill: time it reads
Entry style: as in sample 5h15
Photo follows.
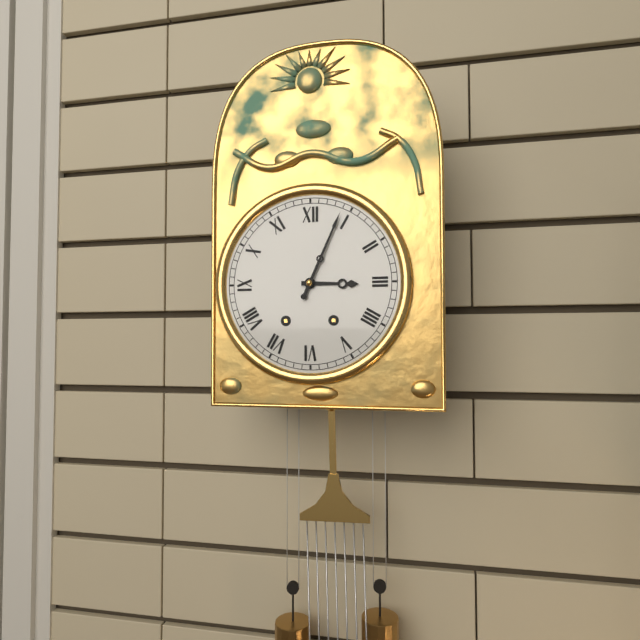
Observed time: 3h04
